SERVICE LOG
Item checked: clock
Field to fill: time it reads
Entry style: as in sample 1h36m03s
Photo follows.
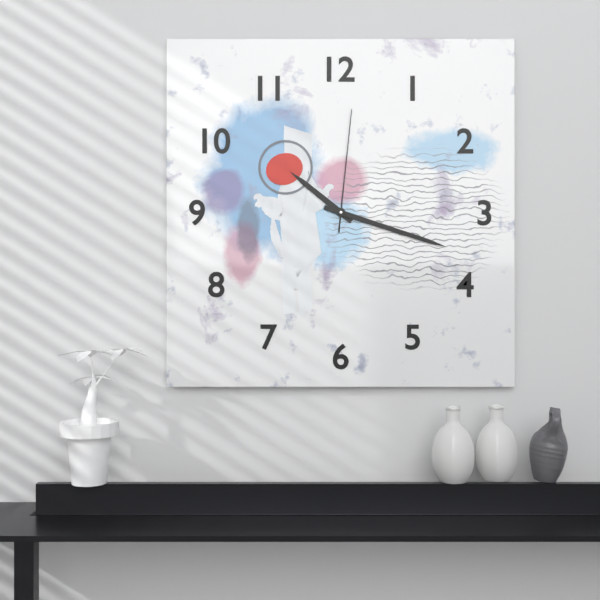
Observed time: 10h18m01s
